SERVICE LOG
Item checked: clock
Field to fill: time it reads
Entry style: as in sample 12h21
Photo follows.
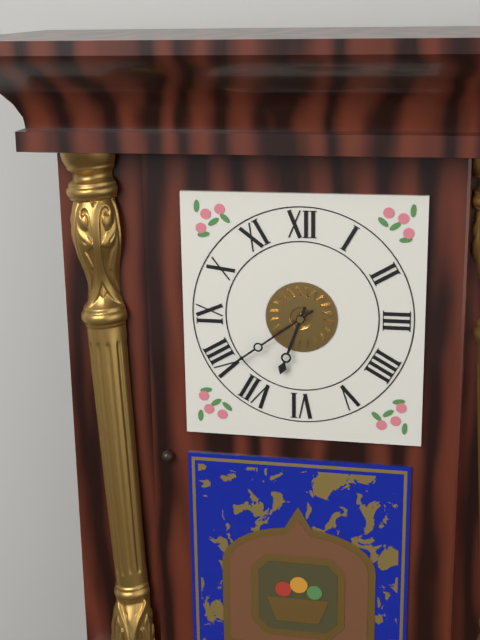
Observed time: 6h39
